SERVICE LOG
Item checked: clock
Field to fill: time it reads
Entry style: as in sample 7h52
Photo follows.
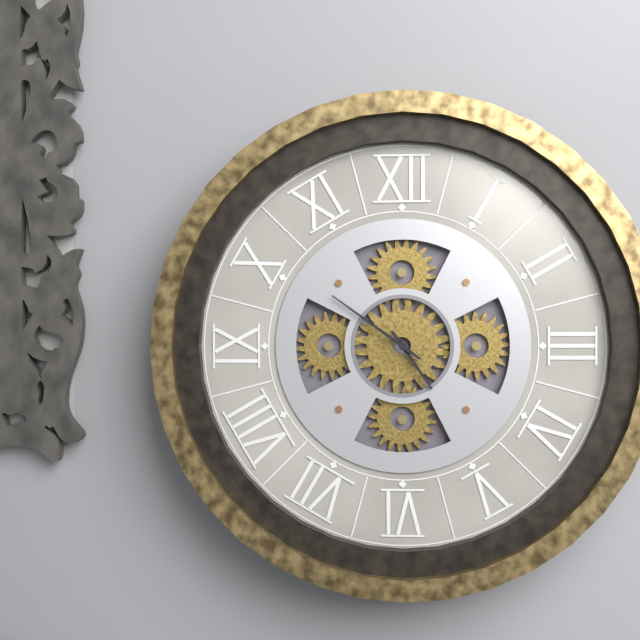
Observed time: 4h51
